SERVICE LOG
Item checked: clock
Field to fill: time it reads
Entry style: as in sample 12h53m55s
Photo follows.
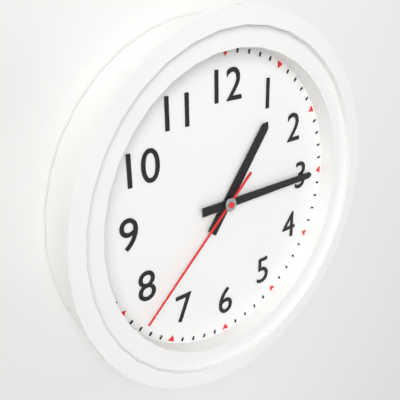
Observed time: 1h15m38s
